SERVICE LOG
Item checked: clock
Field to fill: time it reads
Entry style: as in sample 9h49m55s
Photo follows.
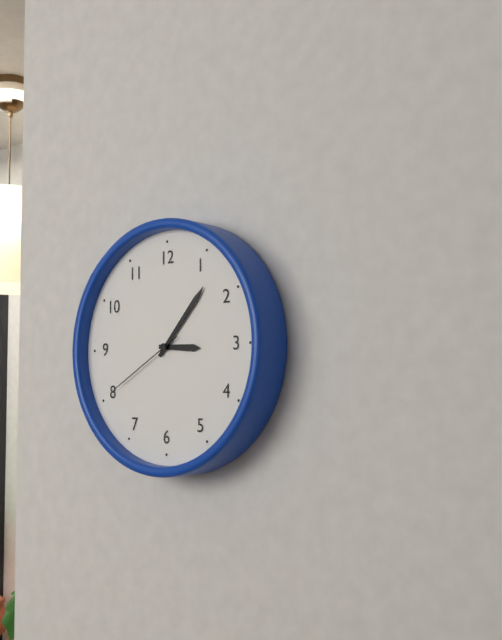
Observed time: 3h07m40s
